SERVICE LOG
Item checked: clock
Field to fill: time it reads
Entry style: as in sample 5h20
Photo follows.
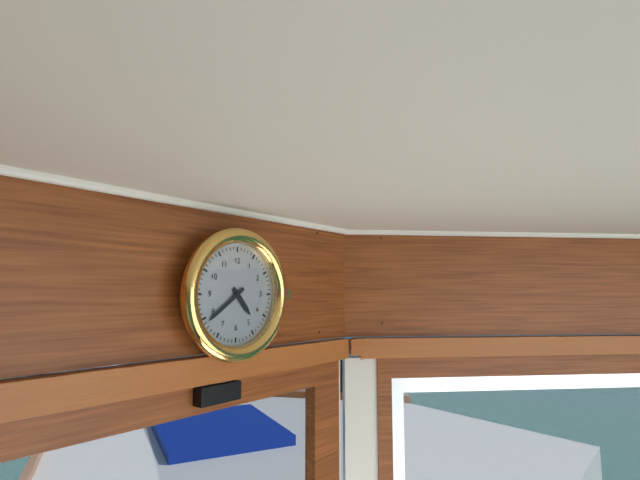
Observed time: 4h39
